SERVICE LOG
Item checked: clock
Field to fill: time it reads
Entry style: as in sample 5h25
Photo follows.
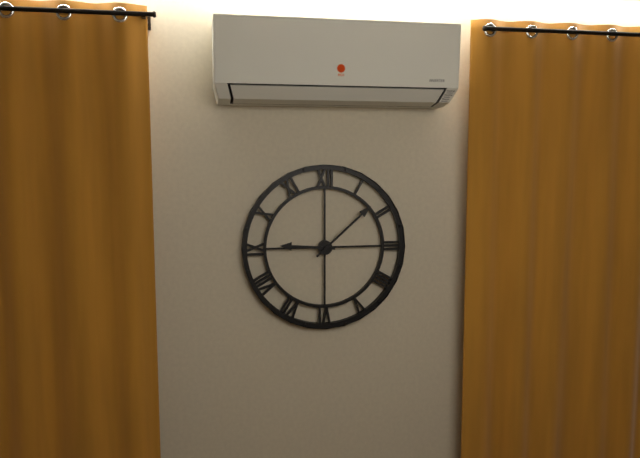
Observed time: 9h08
